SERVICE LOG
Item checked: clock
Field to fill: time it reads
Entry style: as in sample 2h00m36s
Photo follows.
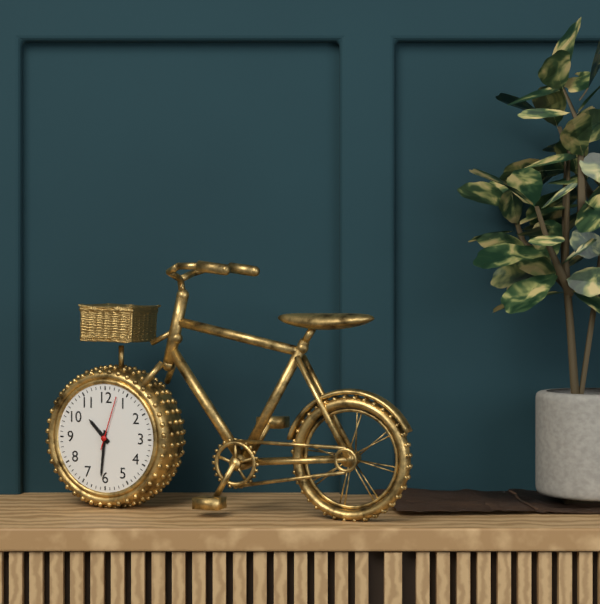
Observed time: 10h31m03s
